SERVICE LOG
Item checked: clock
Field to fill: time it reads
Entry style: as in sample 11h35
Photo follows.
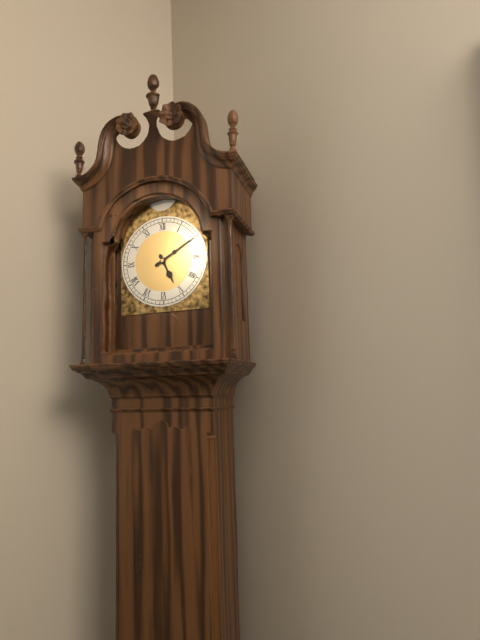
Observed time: 5h10
